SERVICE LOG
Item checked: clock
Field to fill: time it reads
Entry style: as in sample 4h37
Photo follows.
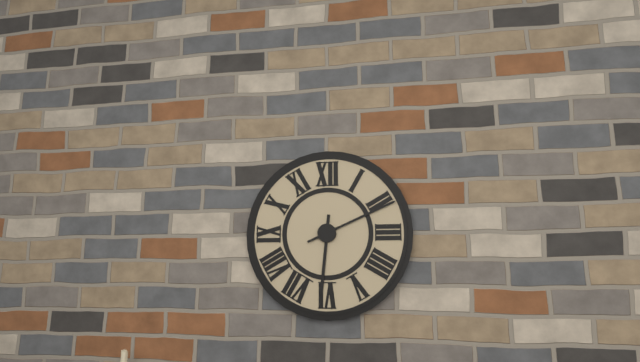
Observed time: 6h11
